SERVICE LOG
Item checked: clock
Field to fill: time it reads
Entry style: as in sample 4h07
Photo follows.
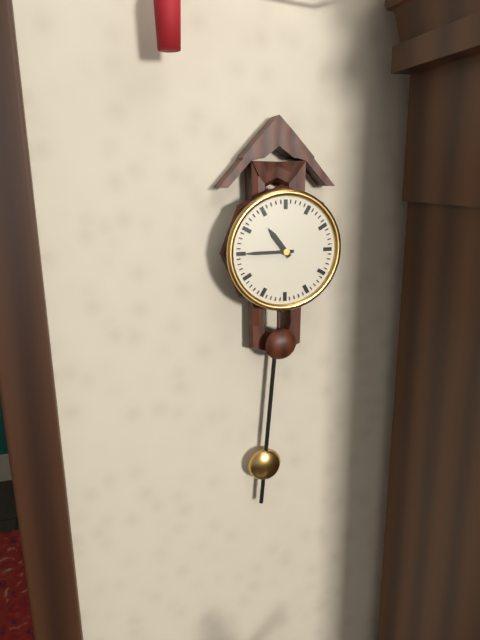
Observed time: 10h45
